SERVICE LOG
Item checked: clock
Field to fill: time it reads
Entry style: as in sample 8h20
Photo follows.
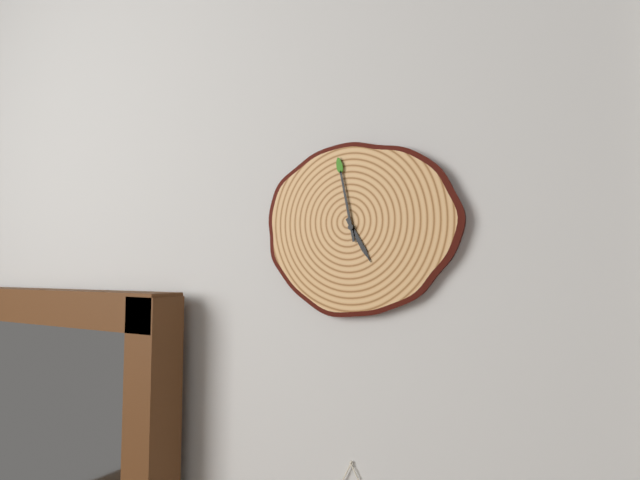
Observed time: 4h58
